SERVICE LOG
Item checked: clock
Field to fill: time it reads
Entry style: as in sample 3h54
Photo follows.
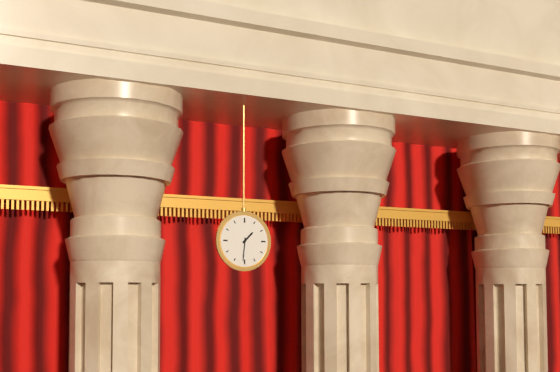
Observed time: 1h31
